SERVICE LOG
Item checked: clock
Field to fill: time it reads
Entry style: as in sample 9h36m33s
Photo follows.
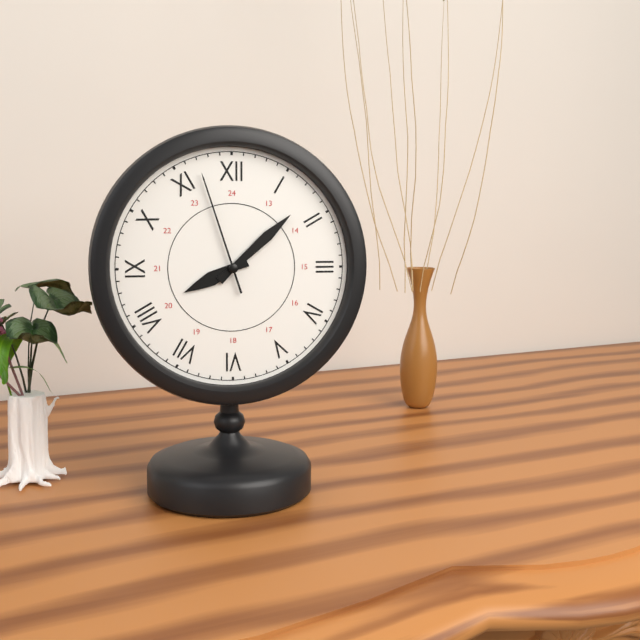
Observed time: 8h08m57s
